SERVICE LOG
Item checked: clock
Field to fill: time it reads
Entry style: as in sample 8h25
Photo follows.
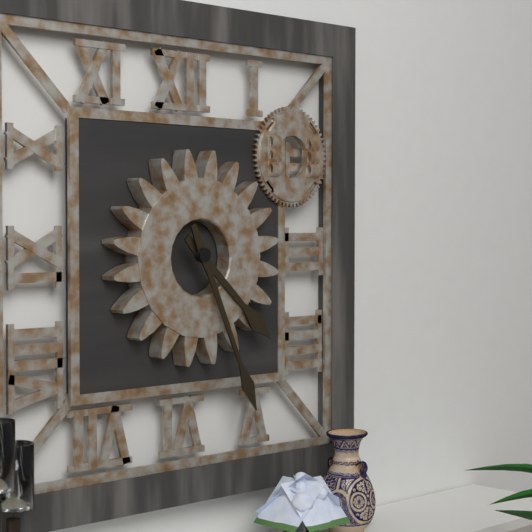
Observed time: 4h26
